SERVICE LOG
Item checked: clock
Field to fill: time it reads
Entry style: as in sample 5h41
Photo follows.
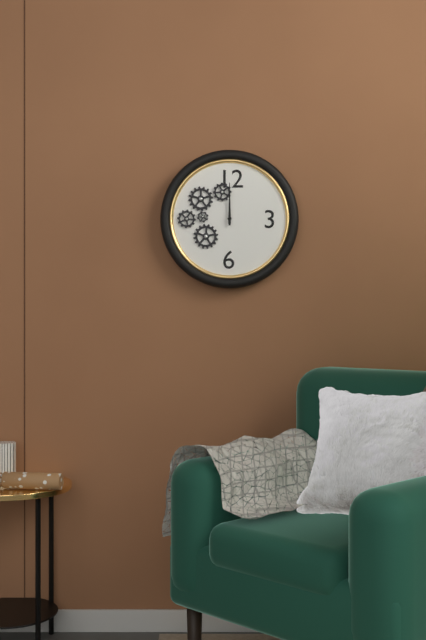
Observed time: 12h00
